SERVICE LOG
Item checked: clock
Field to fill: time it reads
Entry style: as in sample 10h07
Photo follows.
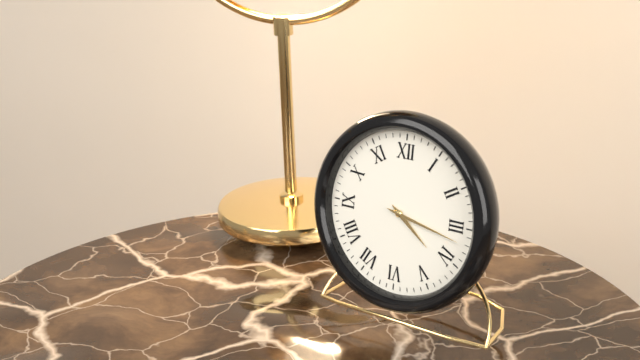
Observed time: 4h17
